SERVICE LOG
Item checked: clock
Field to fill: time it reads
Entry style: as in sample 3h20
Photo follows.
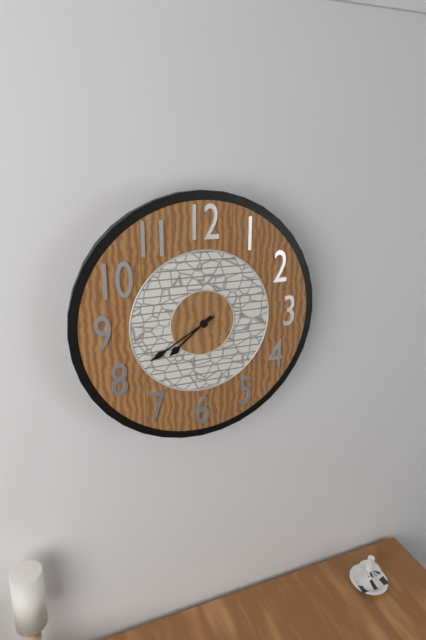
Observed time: 7h40
